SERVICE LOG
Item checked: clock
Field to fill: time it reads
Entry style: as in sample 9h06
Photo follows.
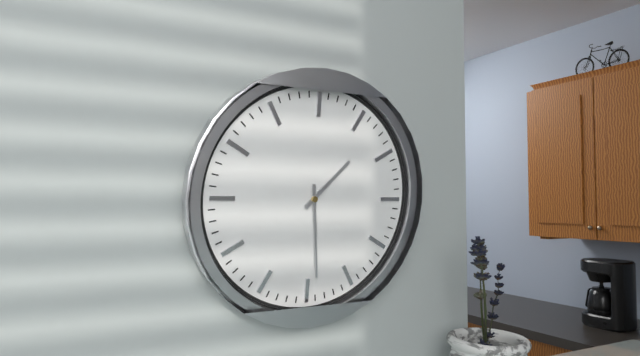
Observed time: 1h29
